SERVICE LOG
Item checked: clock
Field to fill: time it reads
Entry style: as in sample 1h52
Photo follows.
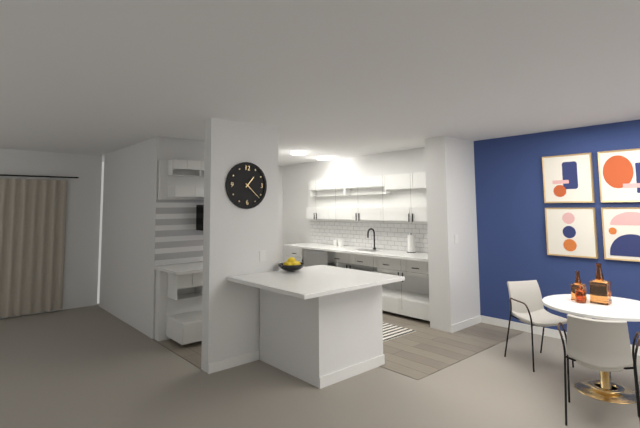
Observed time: 1h22
